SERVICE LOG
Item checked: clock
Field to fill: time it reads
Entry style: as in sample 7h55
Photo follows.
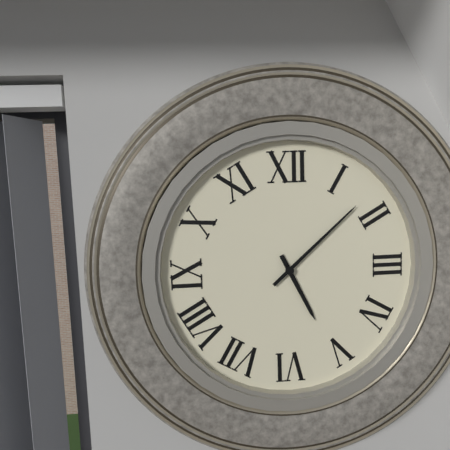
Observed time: 5h08
